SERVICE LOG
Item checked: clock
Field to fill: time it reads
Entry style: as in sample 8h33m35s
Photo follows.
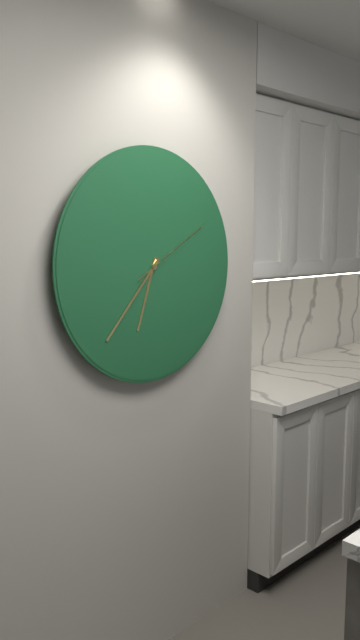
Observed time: 6h37m10s
